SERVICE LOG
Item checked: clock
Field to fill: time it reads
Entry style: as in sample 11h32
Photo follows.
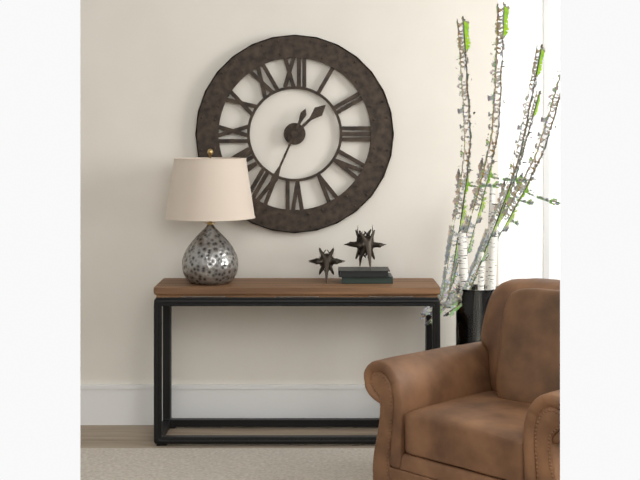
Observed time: 1h34
